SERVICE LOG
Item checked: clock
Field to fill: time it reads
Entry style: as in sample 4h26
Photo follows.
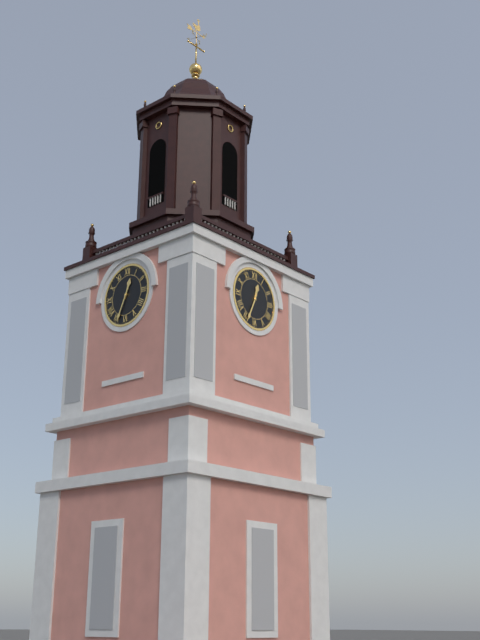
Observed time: 12h34
